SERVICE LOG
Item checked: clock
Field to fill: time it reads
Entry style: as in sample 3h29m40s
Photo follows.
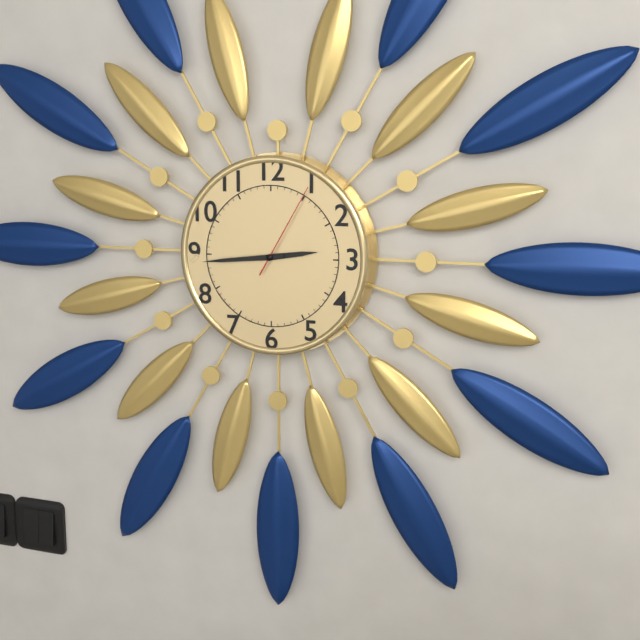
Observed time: 2h44m05s
